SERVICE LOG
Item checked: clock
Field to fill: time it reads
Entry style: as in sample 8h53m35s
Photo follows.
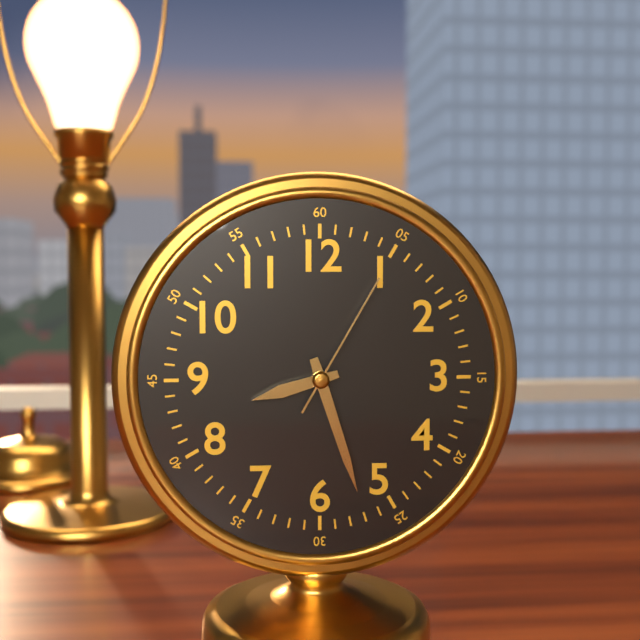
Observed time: 8h27m05s
